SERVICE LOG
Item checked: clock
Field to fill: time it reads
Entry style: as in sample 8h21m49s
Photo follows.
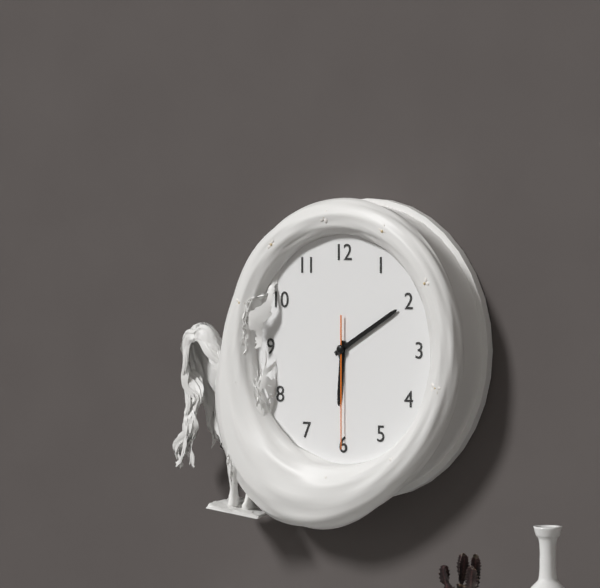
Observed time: 6h10m30s
